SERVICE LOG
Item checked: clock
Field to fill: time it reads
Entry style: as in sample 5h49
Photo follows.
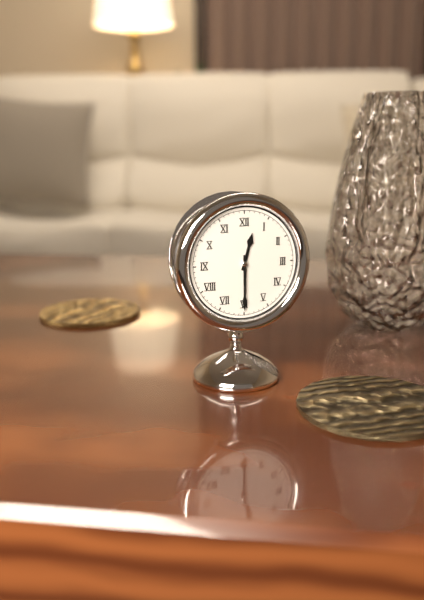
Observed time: 12h30
